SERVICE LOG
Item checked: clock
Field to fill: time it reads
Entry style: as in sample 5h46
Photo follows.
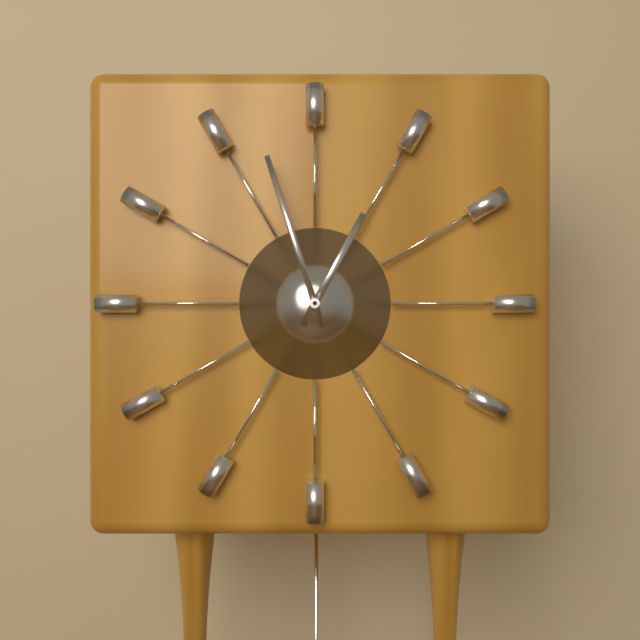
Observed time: 12h57
